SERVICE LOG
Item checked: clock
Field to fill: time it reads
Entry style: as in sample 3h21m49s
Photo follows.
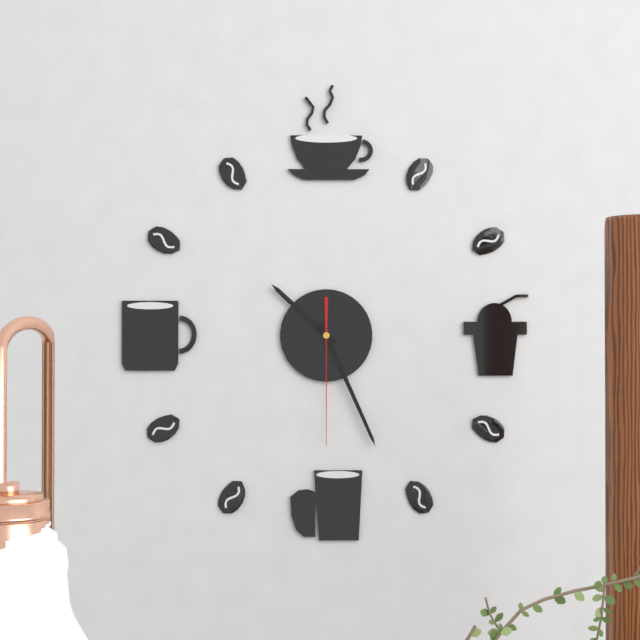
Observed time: 10h26m30s
